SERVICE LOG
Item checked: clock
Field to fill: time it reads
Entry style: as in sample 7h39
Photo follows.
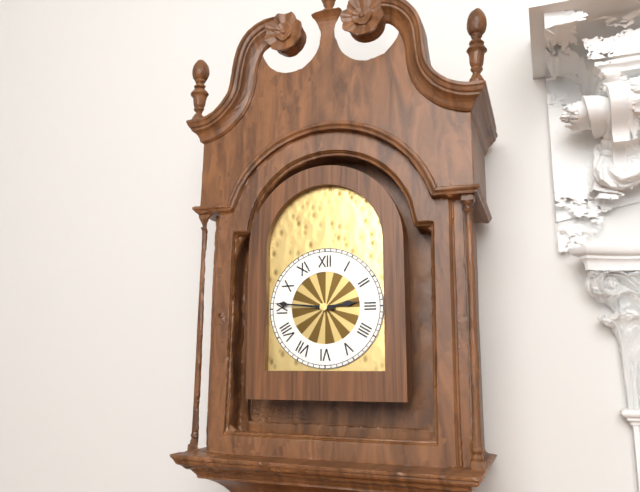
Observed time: 2h46
